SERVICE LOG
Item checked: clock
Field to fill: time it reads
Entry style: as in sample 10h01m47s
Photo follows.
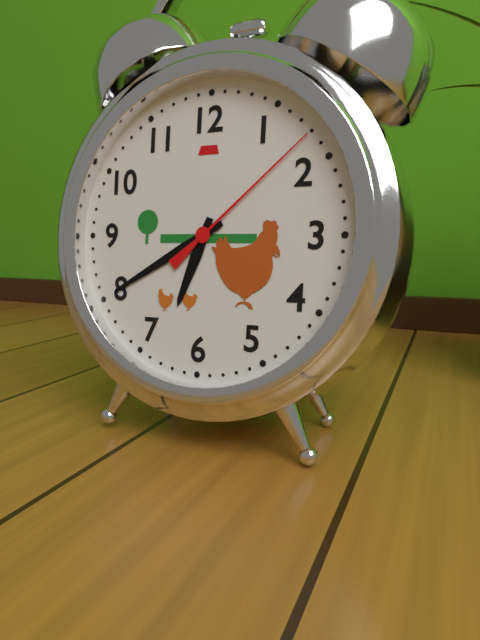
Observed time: 6h40m08s
